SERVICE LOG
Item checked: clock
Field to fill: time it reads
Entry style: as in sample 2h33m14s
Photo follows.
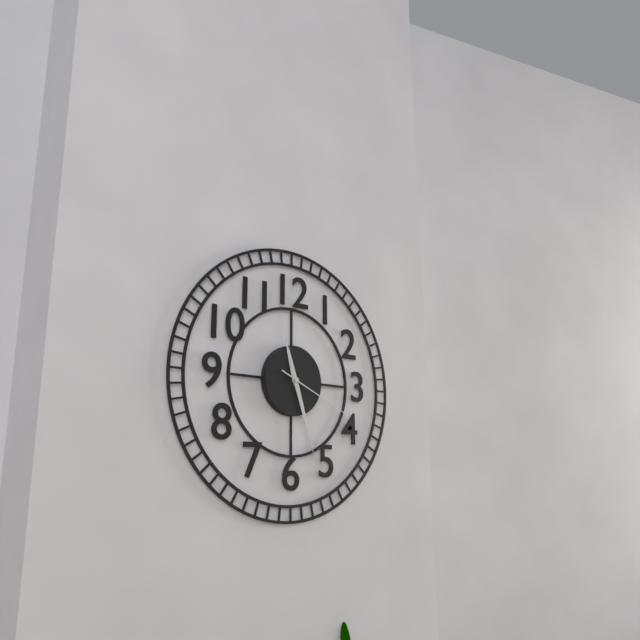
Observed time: 11h27m19s
